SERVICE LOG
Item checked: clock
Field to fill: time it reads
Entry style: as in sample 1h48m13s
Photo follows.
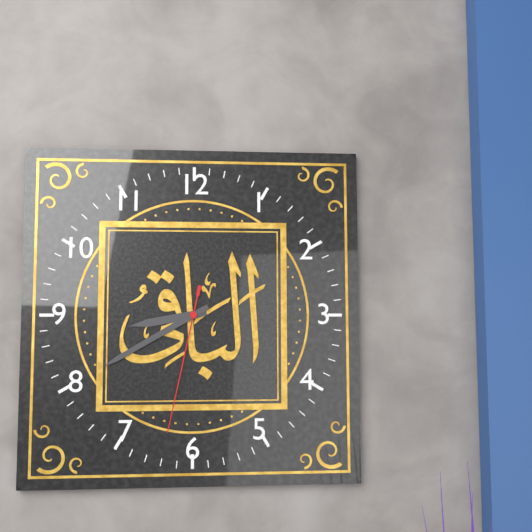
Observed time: 8h40m32s
